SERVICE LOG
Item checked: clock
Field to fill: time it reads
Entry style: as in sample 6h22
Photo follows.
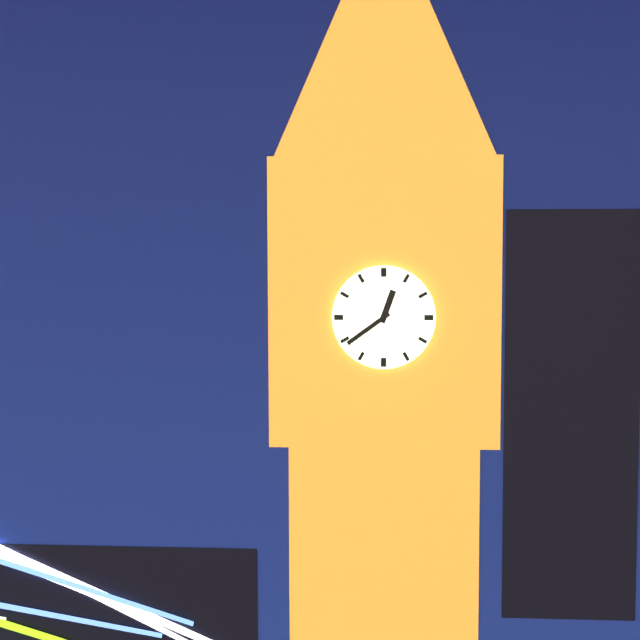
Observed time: 12h39
